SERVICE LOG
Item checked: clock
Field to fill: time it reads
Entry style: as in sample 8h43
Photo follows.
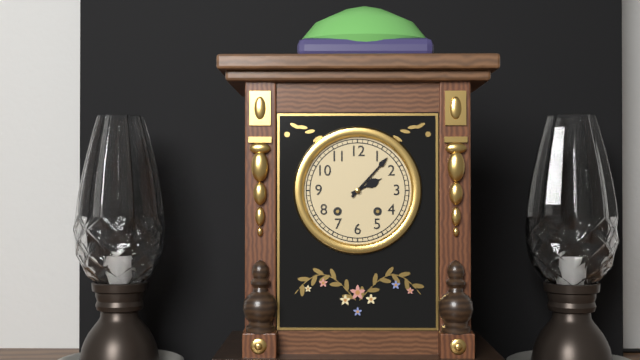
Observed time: 2h07
